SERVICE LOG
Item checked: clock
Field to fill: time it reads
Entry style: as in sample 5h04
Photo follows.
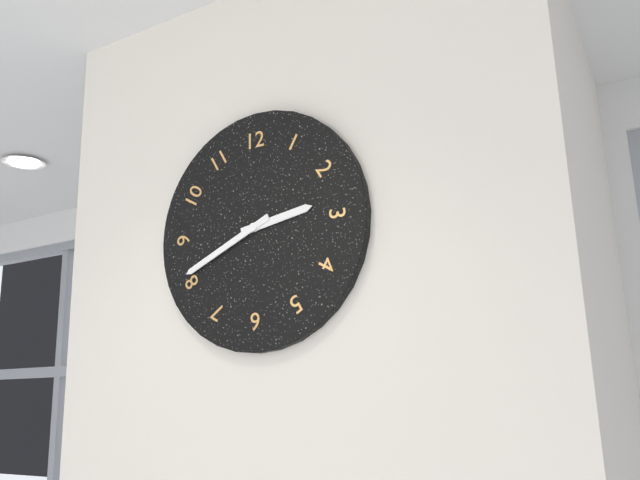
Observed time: 2h41
